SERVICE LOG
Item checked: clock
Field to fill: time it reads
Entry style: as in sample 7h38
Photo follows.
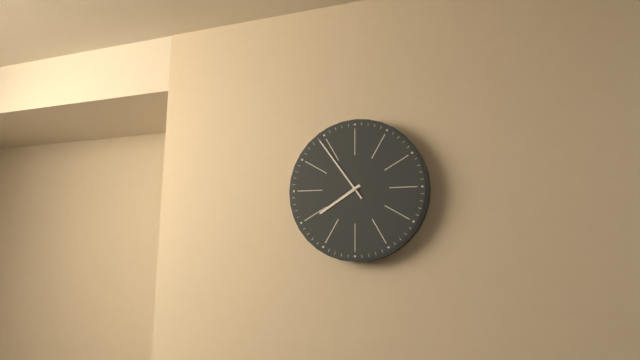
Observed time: 7h54
